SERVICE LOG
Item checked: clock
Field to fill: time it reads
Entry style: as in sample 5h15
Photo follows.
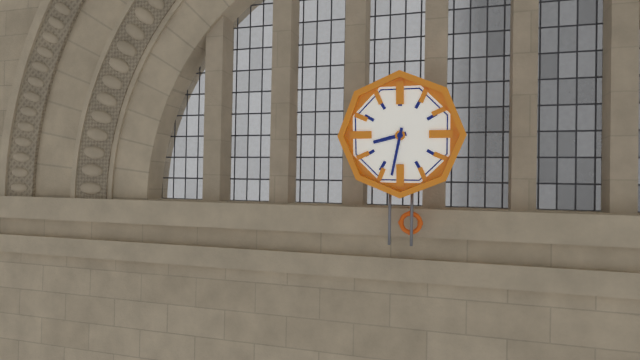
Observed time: 8h32
